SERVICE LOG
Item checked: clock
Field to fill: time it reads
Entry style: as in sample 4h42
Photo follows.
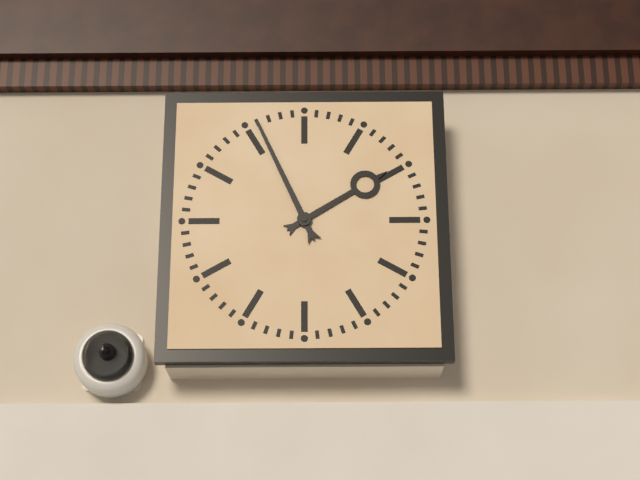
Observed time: 1h56
